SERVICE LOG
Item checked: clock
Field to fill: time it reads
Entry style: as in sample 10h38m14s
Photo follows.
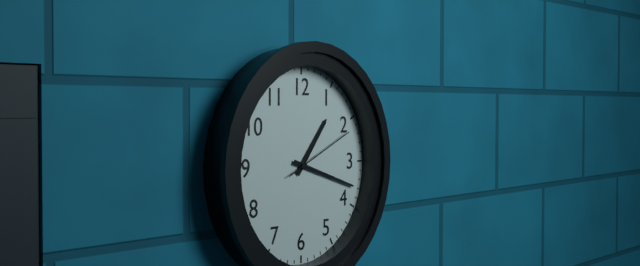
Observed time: 1h18m11s
